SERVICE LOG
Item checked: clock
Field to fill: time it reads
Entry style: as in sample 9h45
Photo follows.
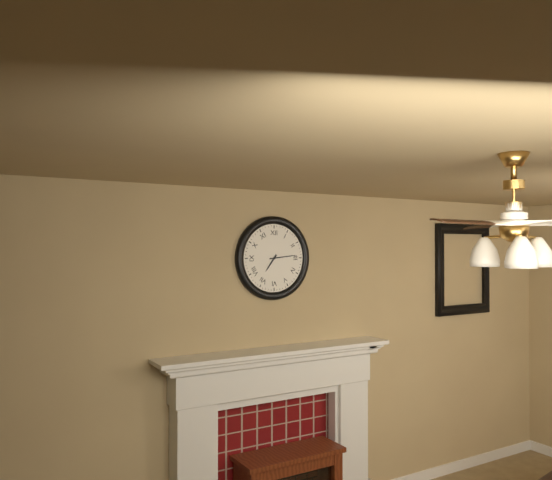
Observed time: 7h14
